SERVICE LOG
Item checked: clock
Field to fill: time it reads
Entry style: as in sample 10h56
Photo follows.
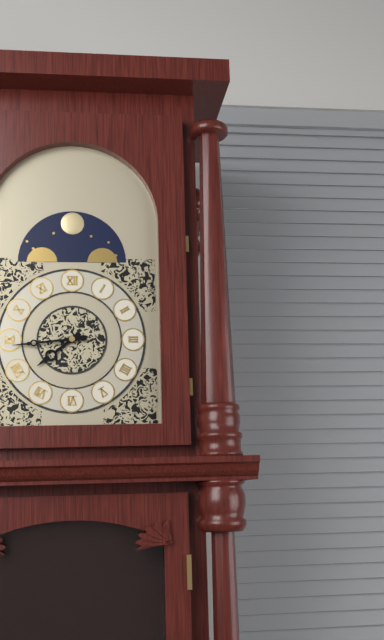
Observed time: 7h44
